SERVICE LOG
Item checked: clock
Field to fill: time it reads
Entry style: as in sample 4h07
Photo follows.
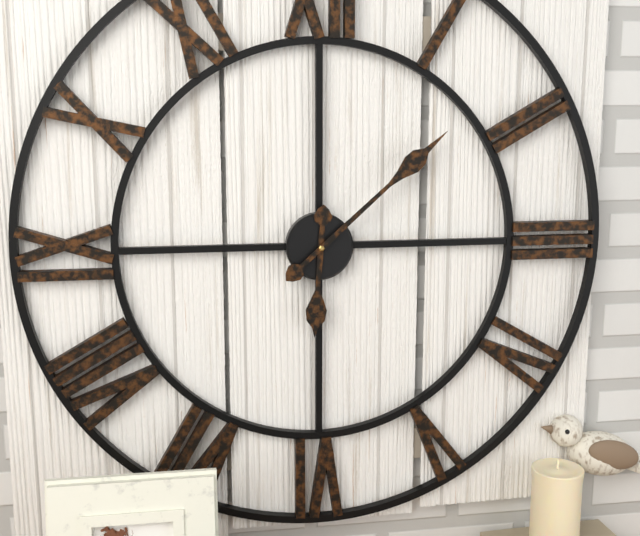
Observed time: 6h08
